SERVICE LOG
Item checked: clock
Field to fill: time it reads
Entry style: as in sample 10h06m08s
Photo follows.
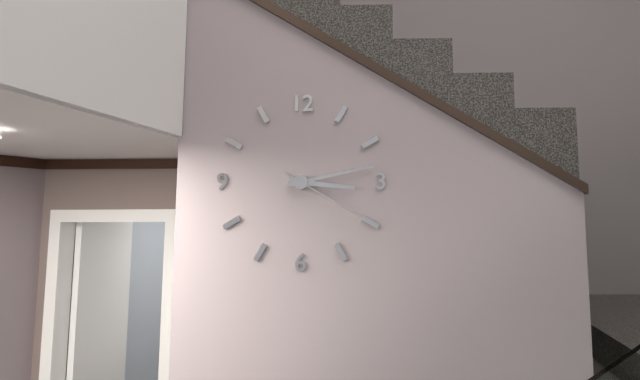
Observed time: 3h13m20s
